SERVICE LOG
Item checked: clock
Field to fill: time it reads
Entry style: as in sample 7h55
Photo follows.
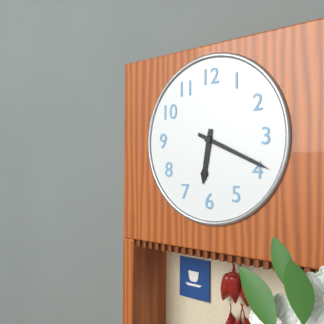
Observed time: 6h19
